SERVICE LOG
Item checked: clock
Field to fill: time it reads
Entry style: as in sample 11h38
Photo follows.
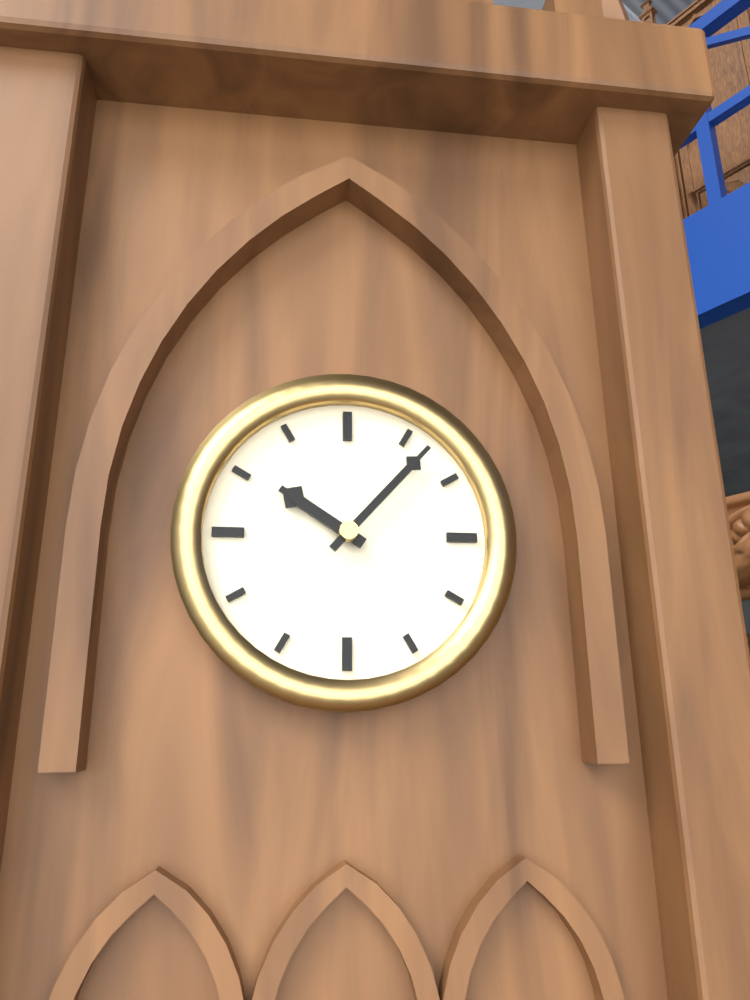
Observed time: 10h07
